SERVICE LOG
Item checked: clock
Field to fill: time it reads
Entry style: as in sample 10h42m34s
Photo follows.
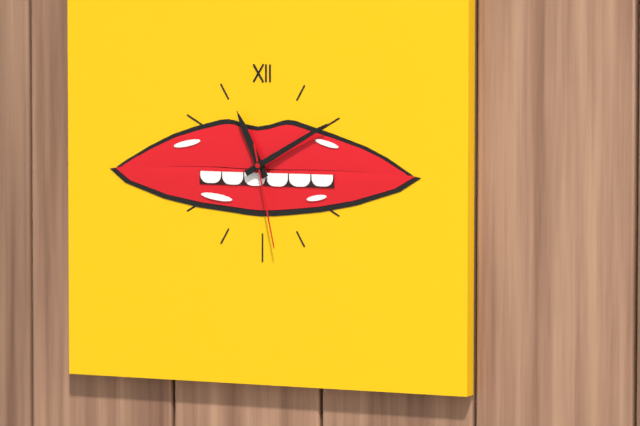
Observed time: 11h10m28s
